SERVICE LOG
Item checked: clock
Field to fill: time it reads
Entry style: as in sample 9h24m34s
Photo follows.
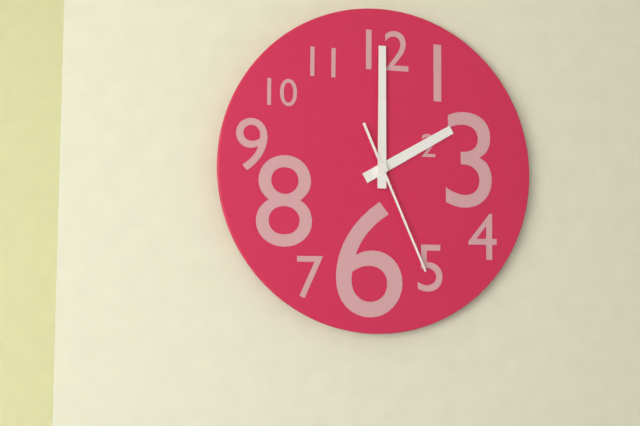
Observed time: 2h00m26s
